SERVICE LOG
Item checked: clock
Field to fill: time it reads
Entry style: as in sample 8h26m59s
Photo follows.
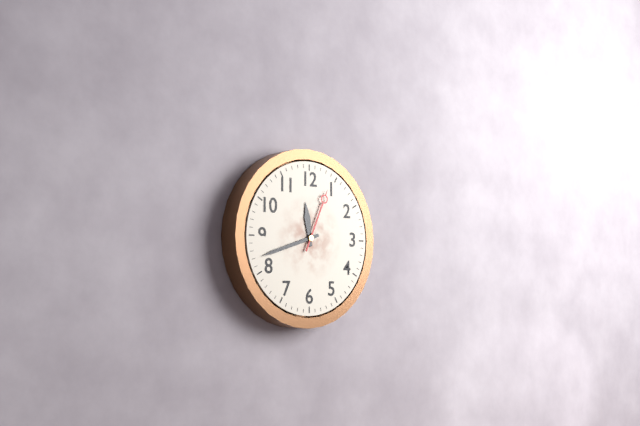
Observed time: 11h42m04s
